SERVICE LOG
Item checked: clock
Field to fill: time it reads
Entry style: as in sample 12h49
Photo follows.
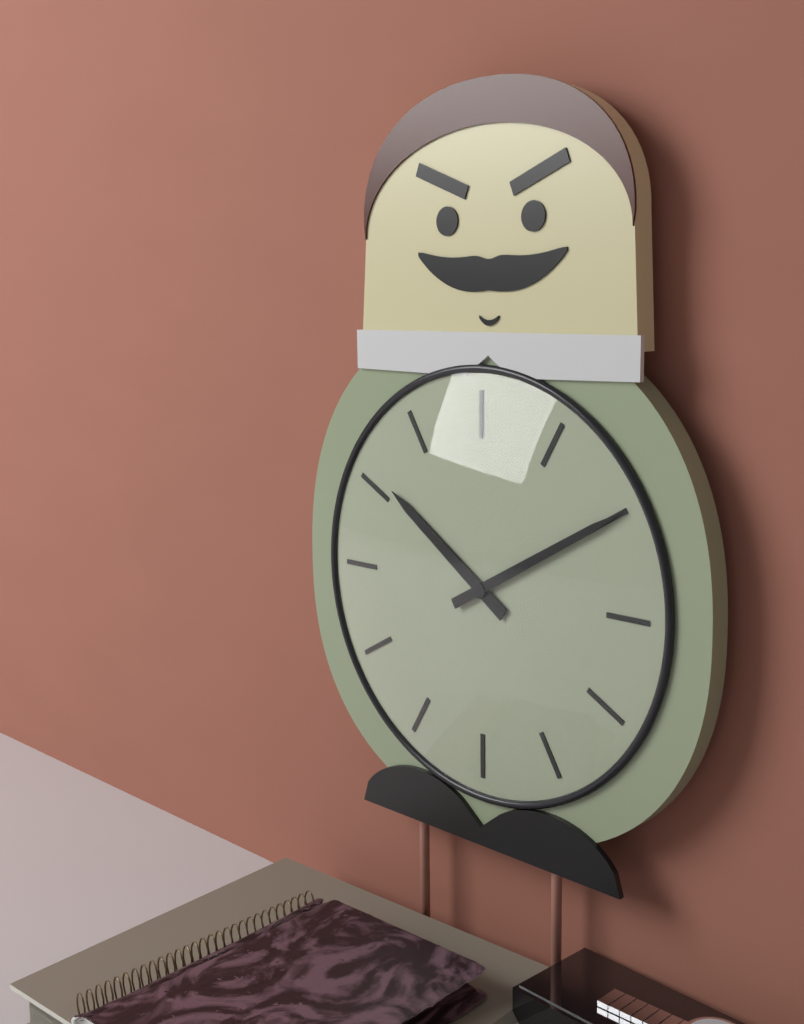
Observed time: 10h10
